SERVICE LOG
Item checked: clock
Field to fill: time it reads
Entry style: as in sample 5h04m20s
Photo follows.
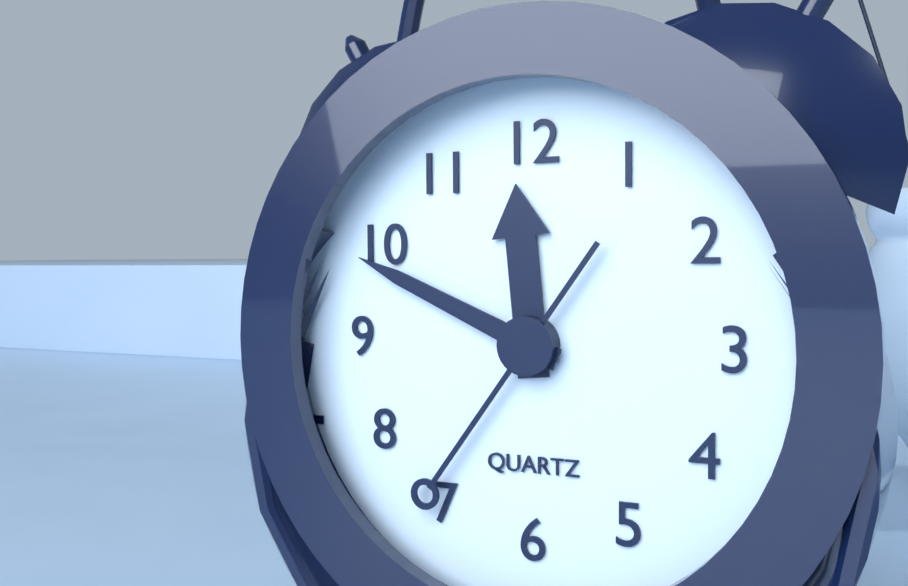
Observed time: 11h49m36s
